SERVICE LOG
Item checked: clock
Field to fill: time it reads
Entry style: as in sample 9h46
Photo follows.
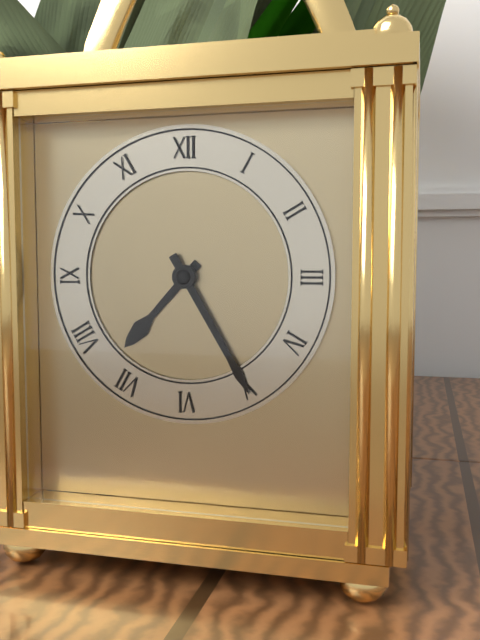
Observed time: 7h25
